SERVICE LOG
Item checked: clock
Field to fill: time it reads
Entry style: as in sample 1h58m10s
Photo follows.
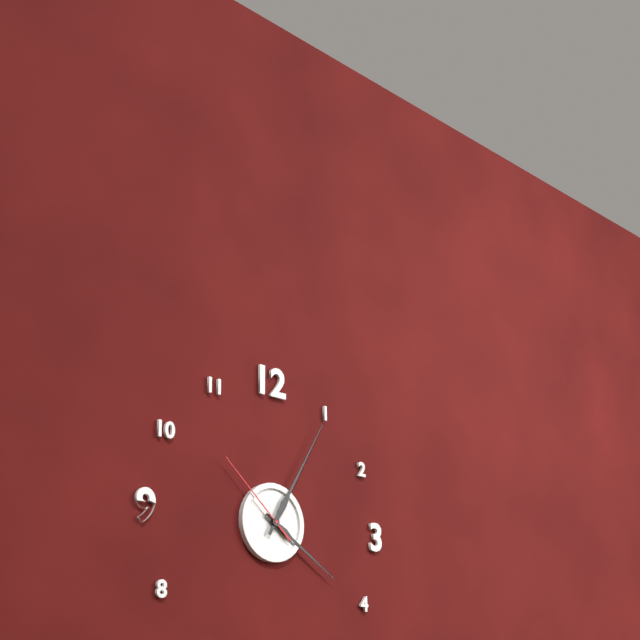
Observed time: 4h05m52s
